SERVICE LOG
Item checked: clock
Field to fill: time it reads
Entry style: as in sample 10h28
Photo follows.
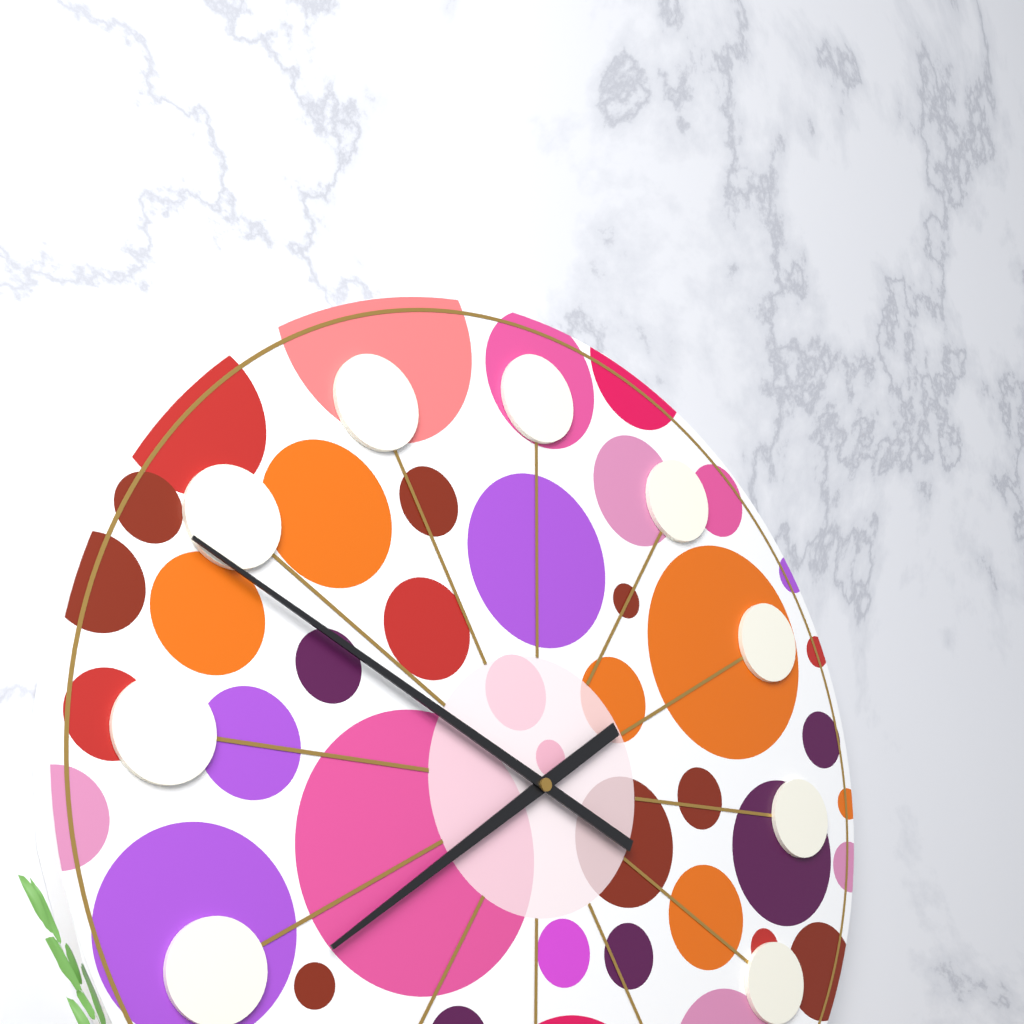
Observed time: 7h49
